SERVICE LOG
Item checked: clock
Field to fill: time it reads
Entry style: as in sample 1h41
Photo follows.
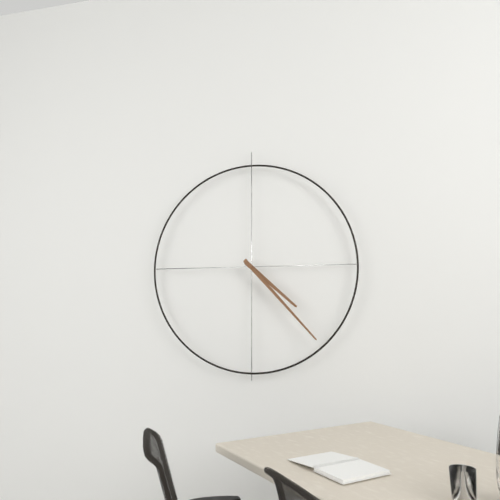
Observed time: 4h23
